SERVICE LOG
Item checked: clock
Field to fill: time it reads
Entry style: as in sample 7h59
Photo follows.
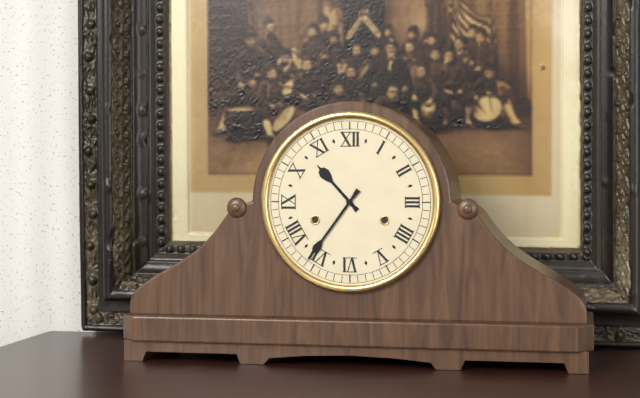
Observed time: 10h36
